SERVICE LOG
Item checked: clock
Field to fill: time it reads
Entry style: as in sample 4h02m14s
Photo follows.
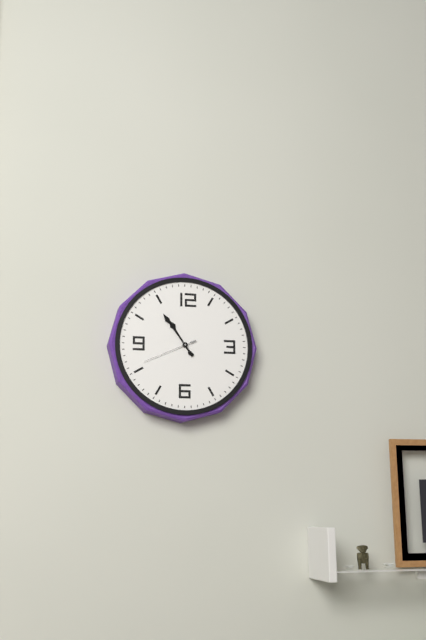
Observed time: 10h54m41s
